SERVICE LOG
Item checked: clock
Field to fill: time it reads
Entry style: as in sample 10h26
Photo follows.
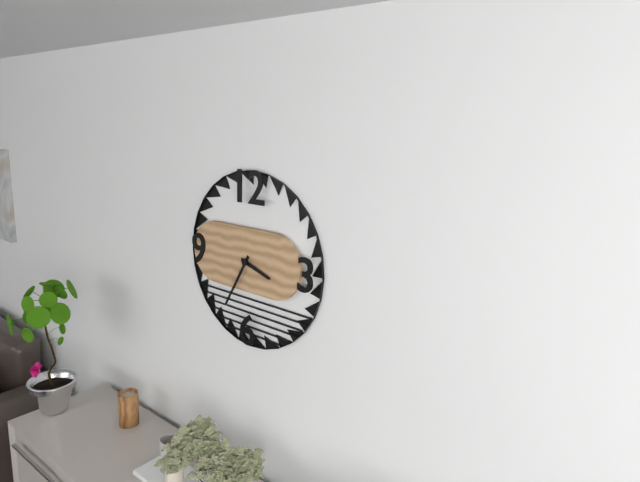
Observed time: 3h35
